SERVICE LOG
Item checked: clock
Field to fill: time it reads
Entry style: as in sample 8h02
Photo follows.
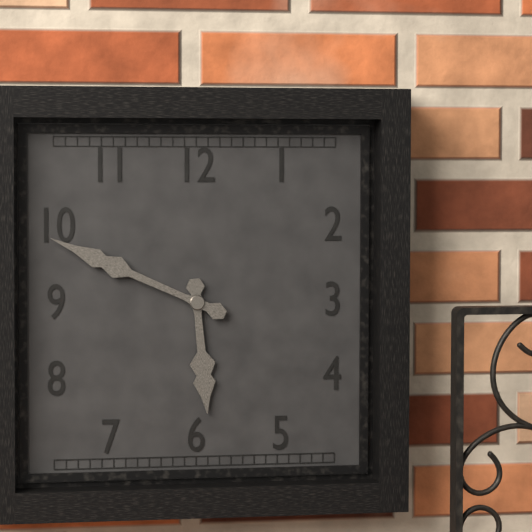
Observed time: 5h49
